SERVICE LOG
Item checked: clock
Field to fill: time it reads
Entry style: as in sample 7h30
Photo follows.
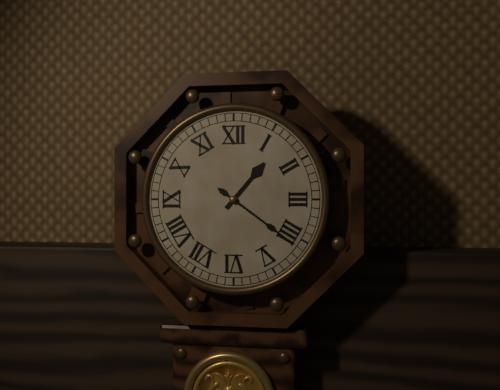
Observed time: 1h21
